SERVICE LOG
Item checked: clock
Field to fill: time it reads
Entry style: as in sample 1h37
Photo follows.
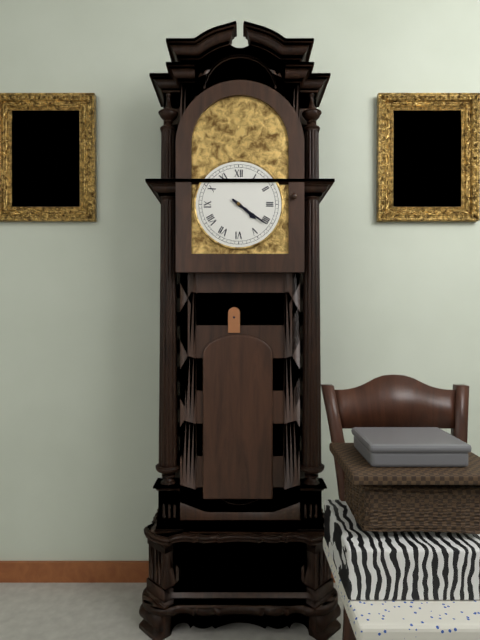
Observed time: 4h21
